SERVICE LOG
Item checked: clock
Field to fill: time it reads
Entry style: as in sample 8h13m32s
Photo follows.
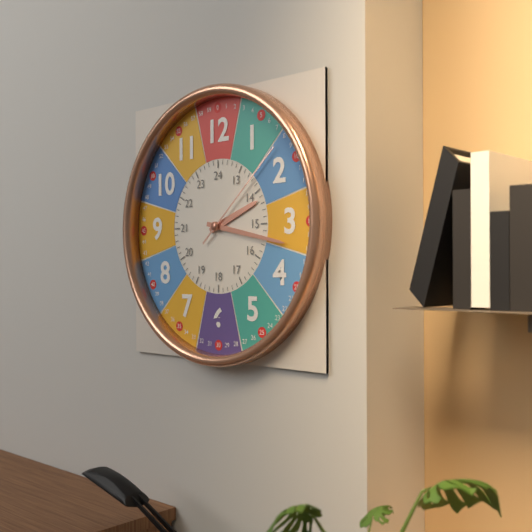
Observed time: 2h17m08s
